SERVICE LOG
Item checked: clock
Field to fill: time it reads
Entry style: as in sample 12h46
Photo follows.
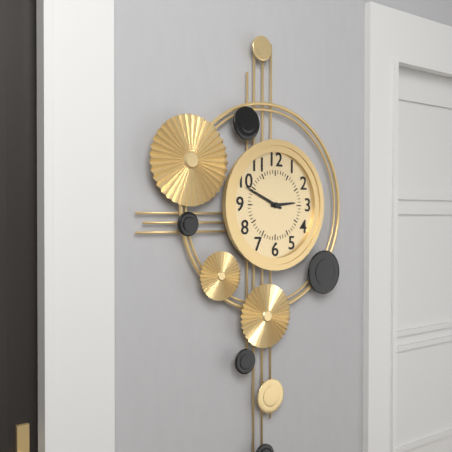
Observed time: 2h49
